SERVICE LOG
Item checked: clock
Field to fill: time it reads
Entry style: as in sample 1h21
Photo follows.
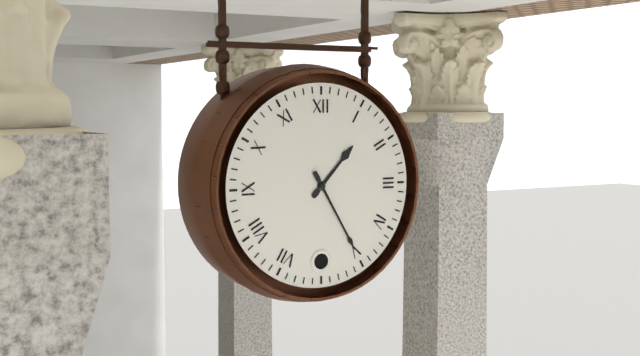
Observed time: 1h25
